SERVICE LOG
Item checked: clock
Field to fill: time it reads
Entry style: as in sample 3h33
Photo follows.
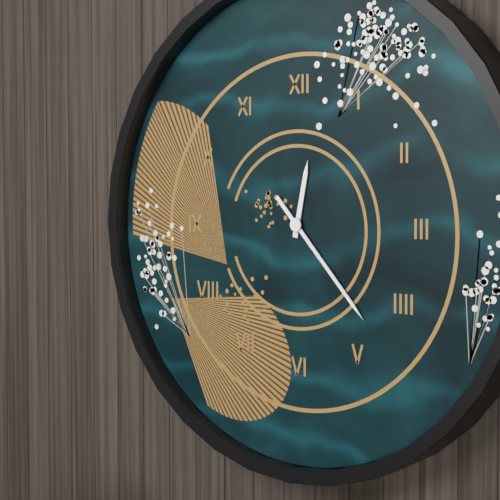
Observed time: 12h23
